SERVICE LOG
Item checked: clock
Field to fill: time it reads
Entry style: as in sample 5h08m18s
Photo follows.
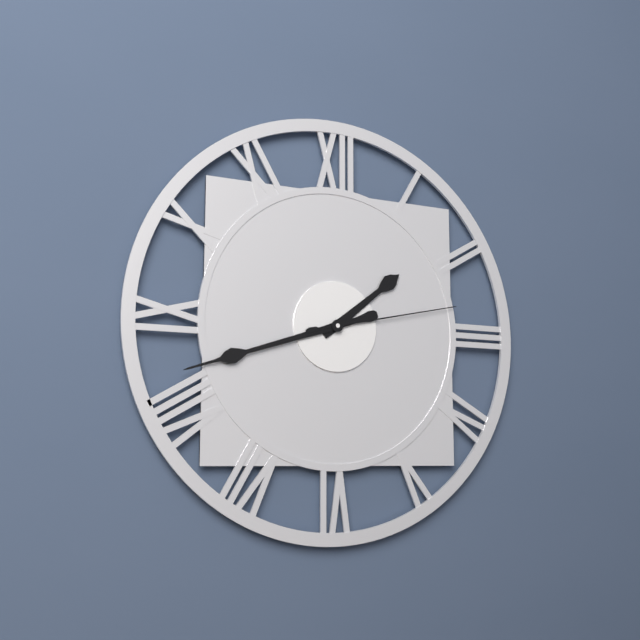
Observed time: 1h42m13s
